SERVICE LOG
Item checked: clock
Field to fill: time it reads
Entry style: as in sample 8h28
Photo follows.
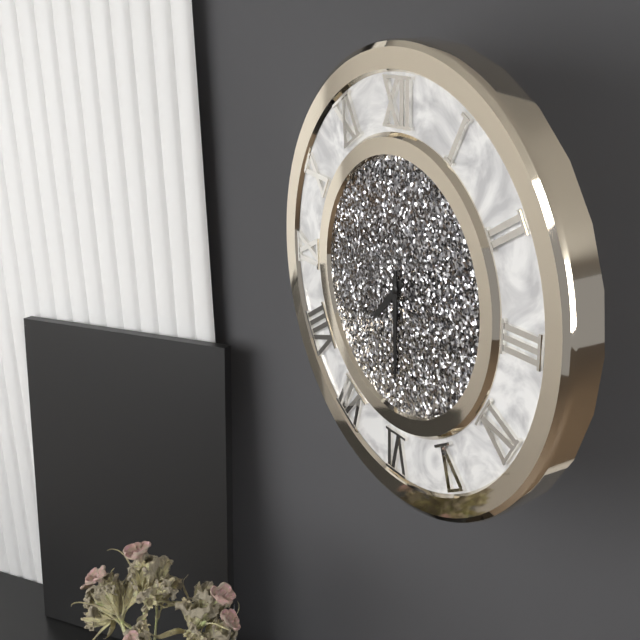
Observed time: 7h30
